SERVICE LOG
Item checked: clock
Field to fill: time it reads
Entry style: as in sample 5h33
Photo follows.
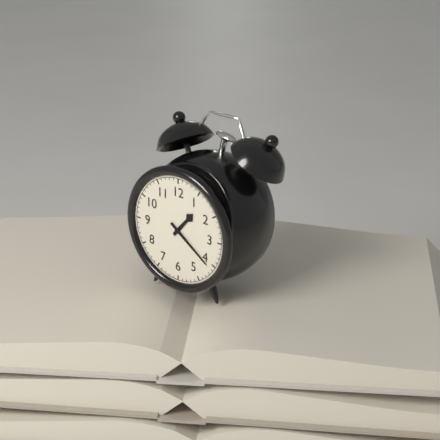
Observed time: 1h21
